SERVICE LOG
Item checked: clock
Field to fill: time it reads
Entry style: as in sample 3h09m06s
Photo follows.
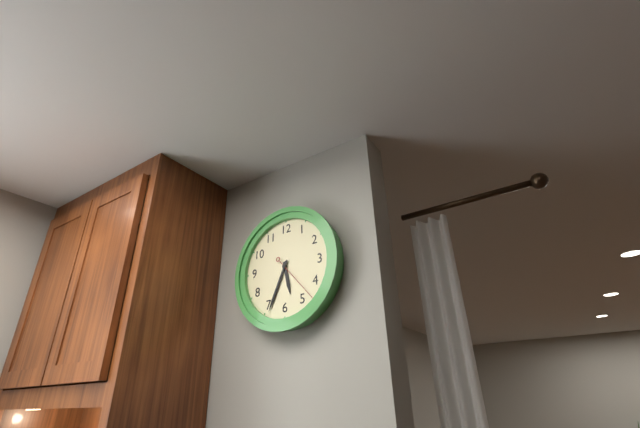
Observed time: 5h34m23s
